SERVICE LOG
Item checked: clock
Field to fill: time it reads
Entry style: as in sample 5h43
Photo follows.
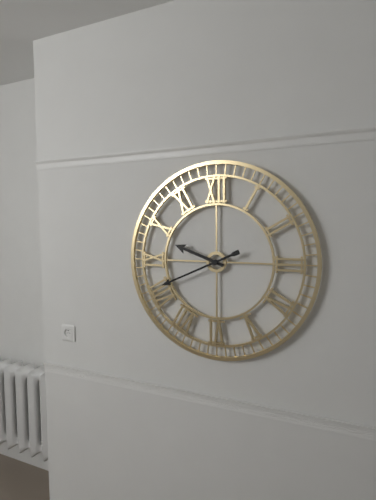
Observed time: 9h41
